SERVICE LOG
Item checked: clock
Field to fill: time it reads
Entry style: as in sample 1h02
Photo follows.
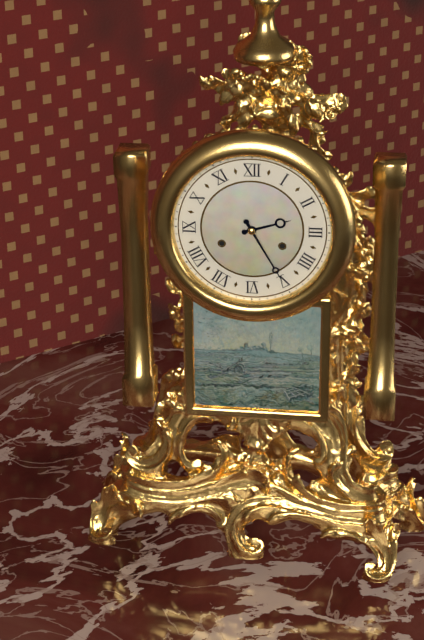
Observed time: 2h25
